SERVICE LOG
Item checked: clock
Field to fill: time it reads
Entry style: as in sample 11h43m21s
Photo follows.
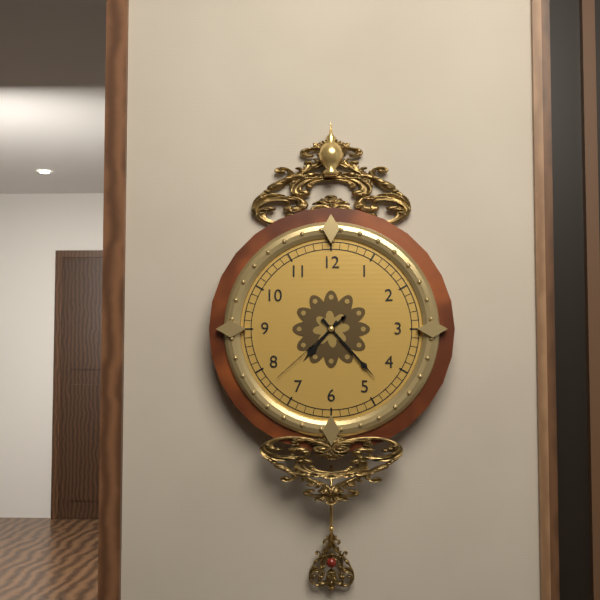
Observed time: 7h23m38s
